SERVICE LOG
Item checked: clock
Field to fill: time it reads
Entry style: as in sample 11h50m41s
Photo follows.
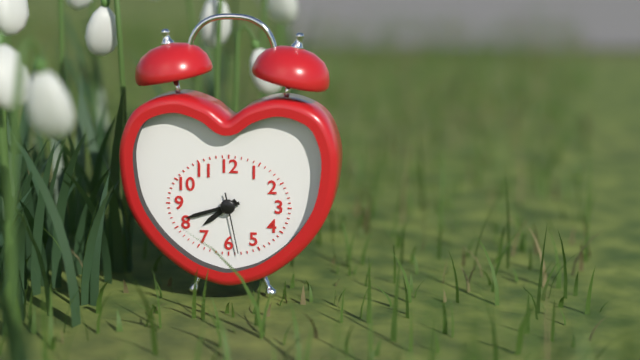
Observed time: 7h42m28s
